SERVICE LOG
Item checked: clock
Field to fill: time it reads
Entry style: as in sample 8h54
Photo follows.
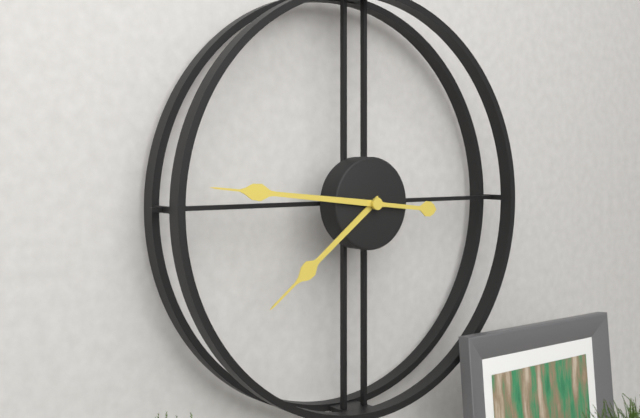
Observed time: 7h46
